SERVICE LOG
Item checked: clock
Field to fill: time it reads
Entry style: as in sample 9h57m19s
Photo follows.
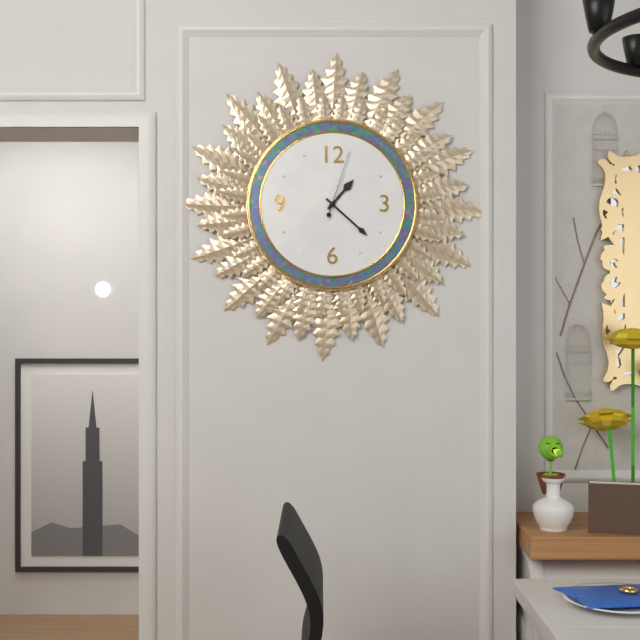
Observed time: 1h22m03s
